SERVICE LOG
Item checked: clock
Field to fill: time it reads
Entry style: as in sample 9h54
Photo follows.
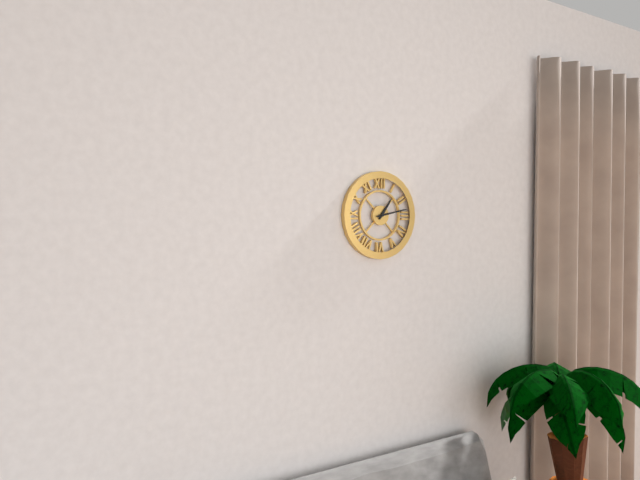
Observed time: 1h13
